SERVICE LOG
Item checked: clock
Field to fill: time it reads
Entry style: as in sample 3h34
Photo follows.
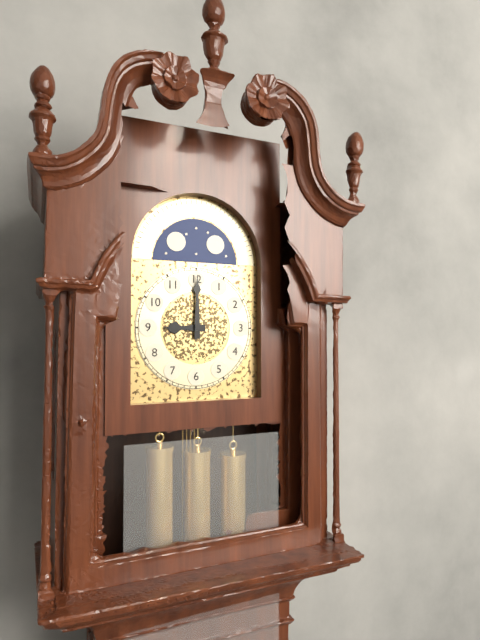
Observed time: 9h00
